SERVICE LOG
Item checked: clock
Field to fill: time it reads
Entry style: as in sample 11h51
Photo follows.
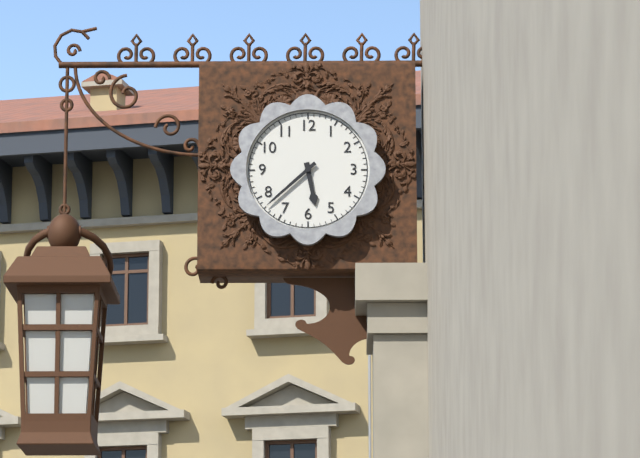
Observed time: 5h38
